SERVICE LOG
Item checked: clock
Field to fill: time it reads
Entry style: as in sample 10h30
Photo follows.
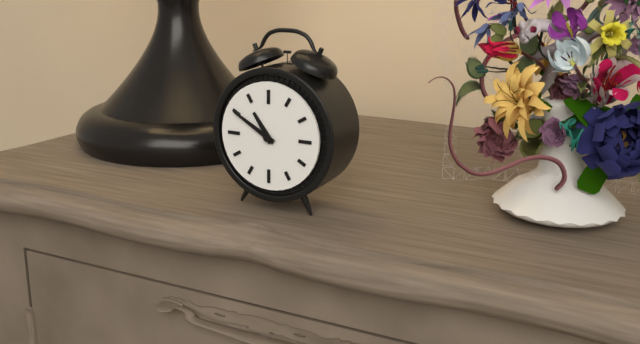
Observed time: 10h50
